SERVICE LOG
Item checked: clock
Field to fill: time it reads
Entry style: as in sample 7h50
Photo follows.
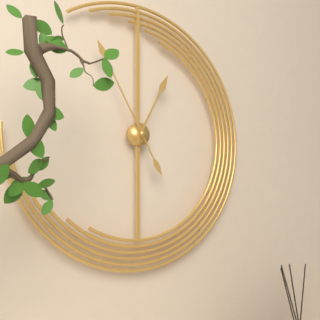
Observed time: 12h55
